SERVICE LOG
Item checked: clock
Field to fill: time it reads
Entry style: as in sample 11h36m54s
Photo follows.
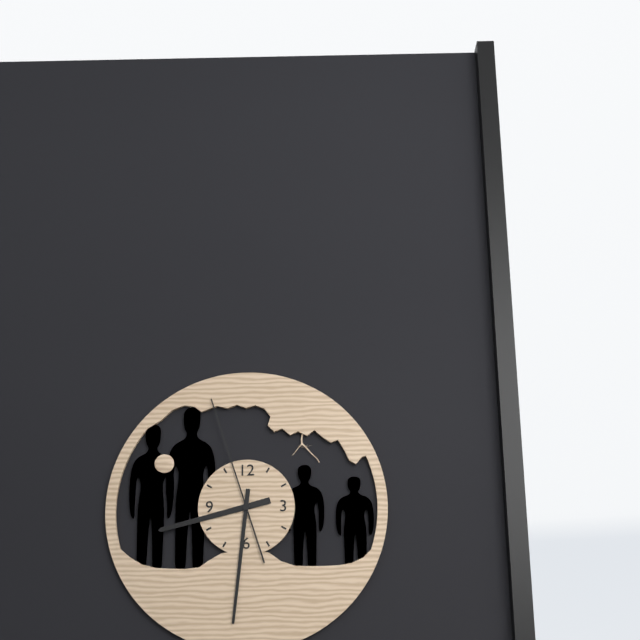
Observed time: 8h31m57s
